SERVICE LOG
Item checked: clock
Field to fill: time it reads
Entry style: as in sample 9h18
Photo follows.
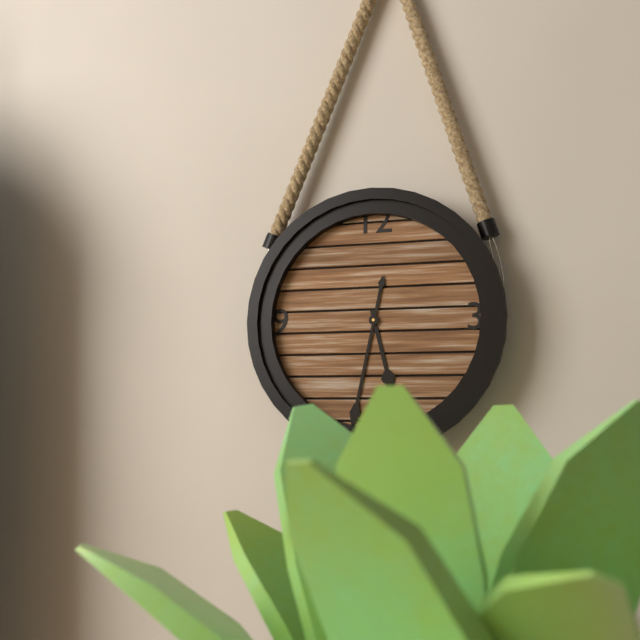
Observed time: 5h32
